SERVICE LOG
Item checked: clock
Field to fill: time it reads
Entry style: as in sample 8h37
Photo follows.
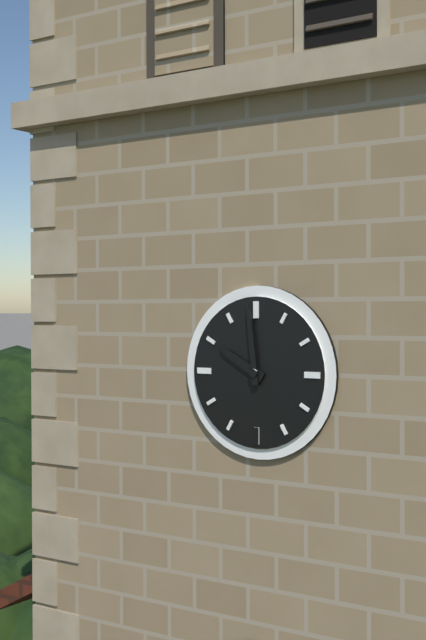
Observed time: 9h59
